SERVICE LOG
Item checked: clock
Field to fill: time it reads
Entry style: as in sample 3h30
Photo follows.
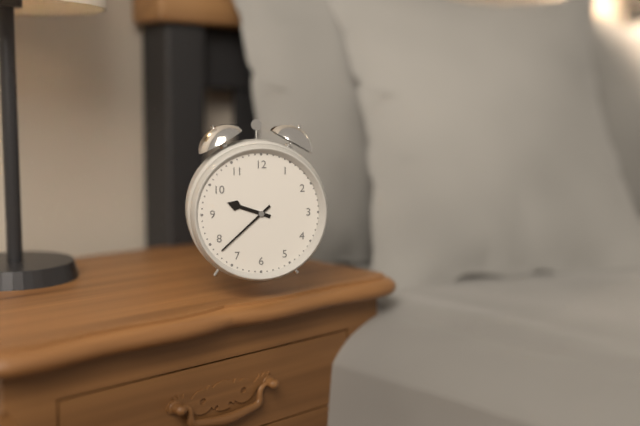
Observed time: 9h38
